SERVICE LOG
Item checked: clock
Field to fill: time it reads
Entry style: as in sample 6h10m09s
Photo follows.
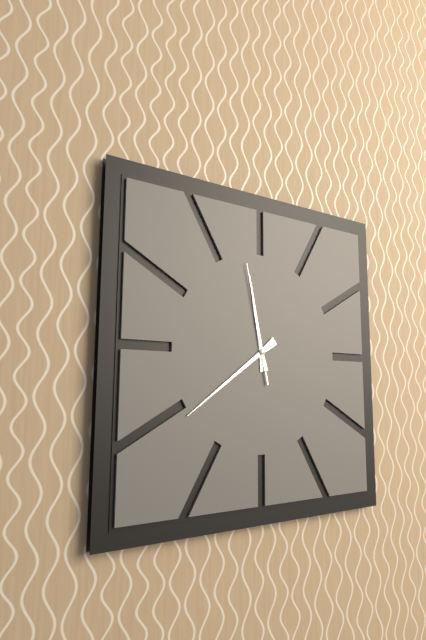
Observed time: 11h39m58s
